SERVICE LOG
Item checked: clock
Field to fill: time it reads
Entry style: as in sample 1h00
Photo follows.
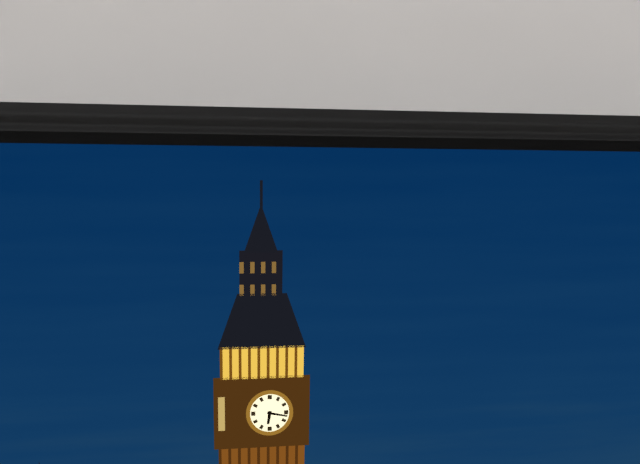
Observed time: 6h17
